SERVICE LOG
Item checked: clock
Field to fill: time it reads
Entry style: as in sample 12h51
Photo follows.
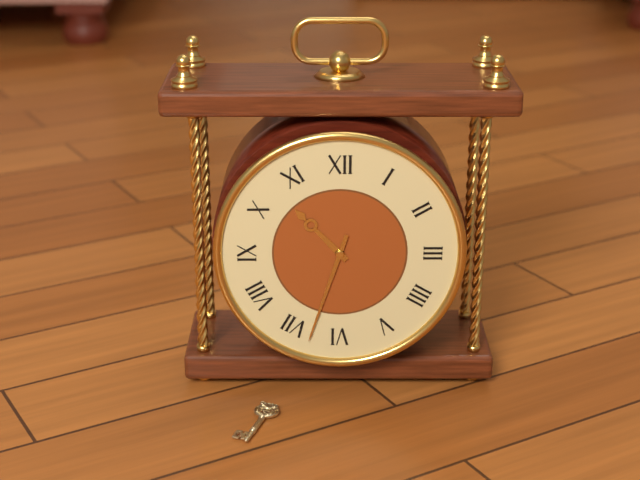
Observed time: 10h33
